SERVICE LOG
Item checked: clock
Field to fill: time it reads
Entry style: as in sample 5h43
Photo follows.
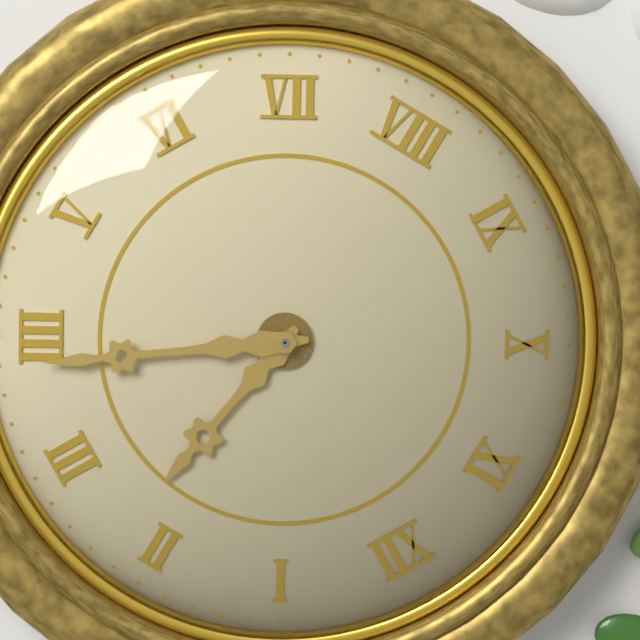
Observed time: 2h19
